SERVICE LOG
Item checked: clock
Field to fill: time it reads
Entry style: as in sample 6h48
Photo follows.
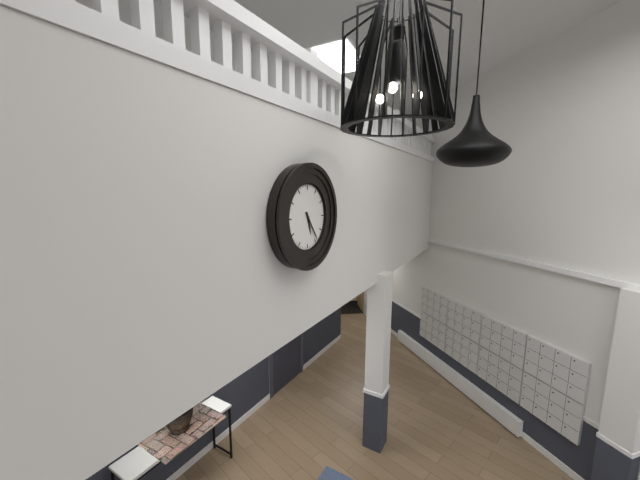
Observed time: 5h24
